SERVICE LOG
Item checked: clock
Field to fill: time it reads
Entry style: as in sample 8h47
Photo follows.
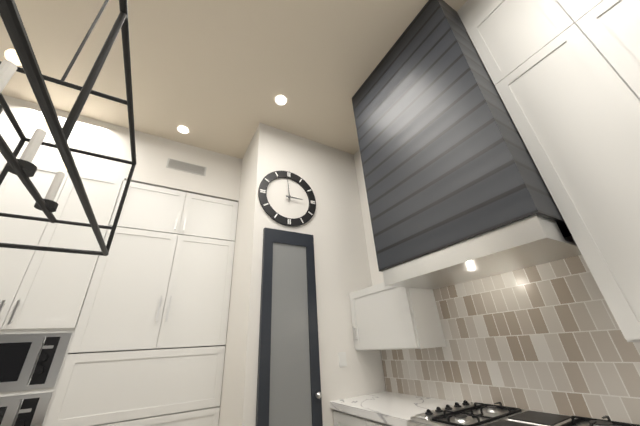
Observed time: 2h59
